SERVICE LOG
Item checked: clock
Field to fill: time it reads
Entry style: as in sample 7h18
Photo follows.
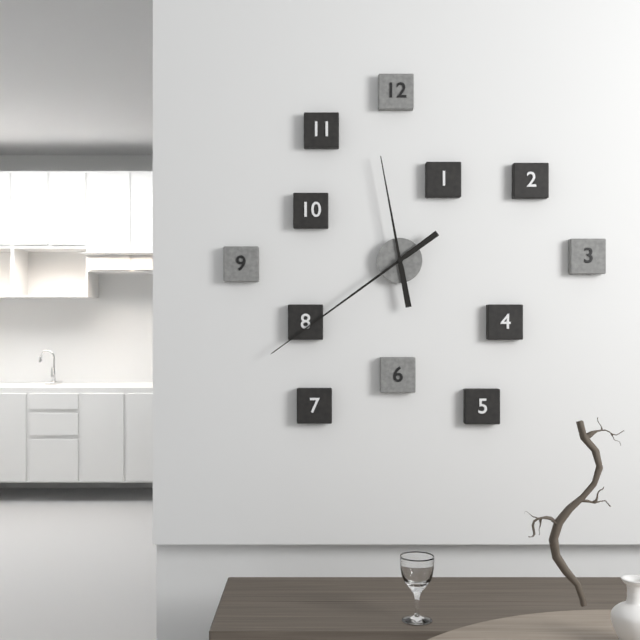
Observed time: 11h39
